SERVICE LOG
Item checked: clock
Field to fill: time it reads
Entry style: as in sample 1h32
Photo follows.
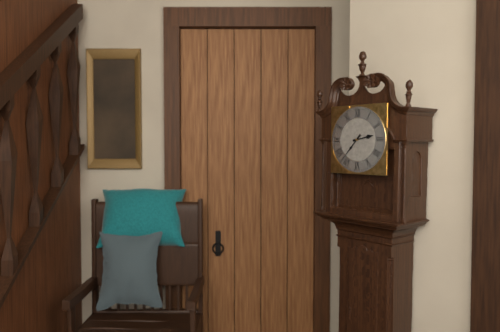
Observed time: 2h37
